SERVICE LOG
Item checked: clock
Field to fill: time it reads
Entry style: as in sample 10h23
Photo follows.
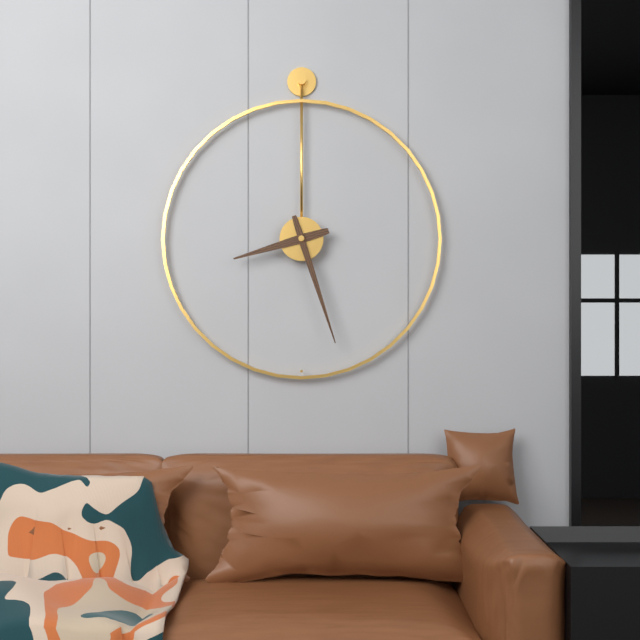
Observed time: 8h27
